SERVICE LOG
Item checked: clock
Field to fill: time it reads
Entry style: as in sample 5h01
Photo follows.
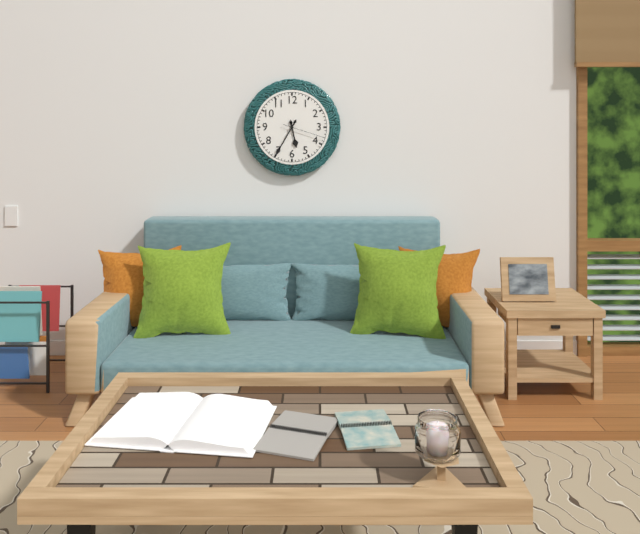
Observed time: 5h35
